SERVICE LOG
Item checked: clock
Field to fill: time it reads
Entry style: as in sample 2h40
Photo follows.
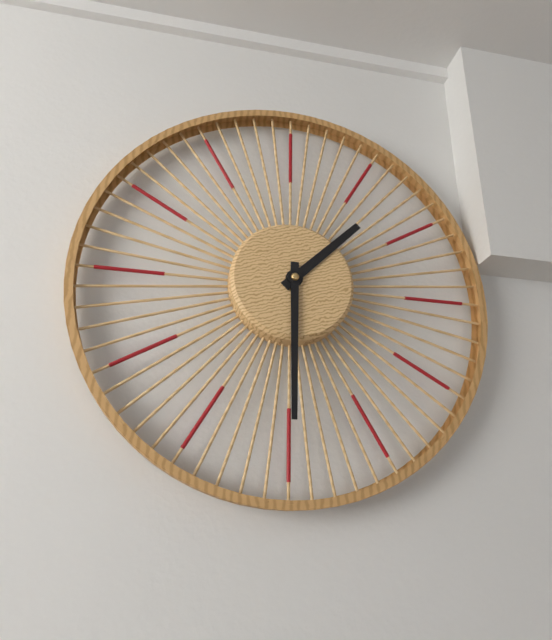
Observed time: 1h30
